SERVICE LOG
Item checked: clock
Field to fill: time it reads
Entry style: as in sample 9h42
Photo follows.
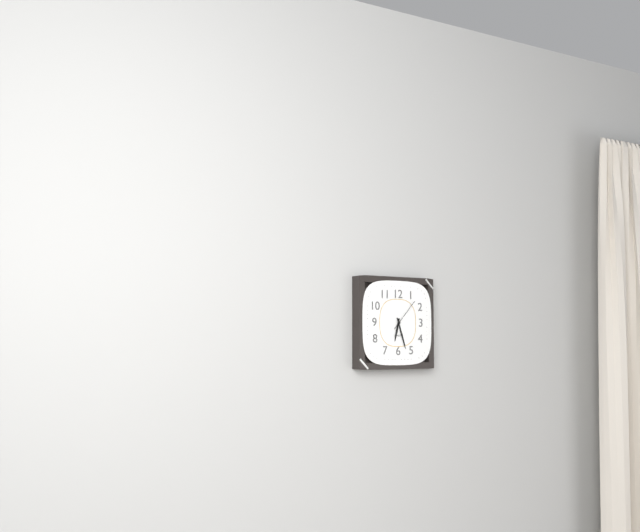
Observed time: 6h27
